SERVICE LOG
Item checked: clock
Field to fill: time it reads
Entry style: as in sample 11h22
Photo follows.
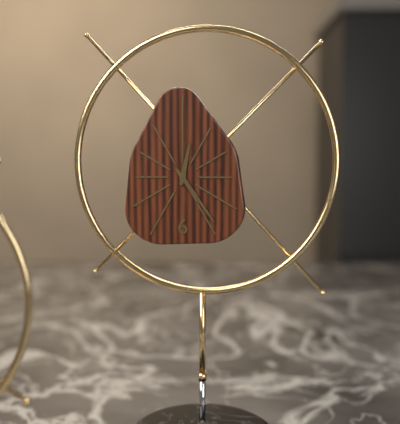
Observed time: 12h24
